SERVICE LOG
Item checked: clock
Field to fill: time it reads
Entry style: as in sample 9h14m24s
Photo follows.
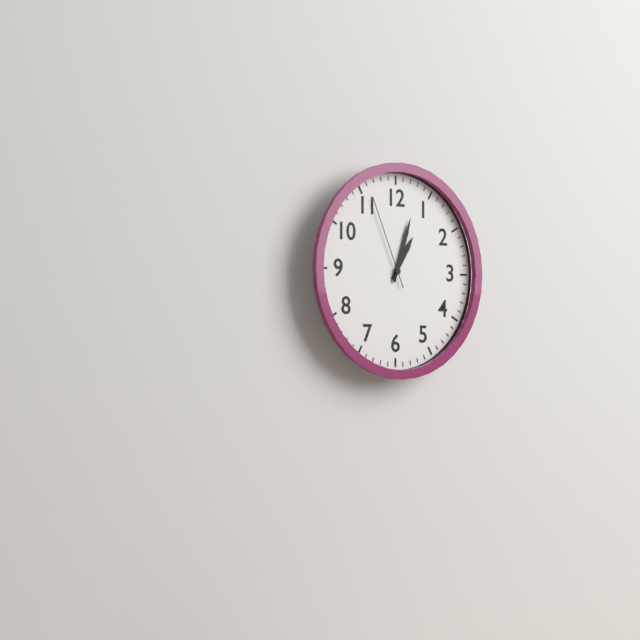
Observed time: 1h03m56s
